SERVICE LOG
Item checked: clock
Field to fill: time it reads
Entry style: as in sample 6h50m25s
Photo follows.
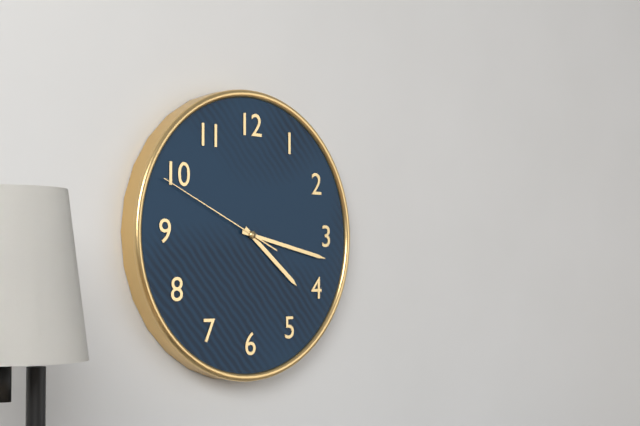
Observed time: 4h17m49s
